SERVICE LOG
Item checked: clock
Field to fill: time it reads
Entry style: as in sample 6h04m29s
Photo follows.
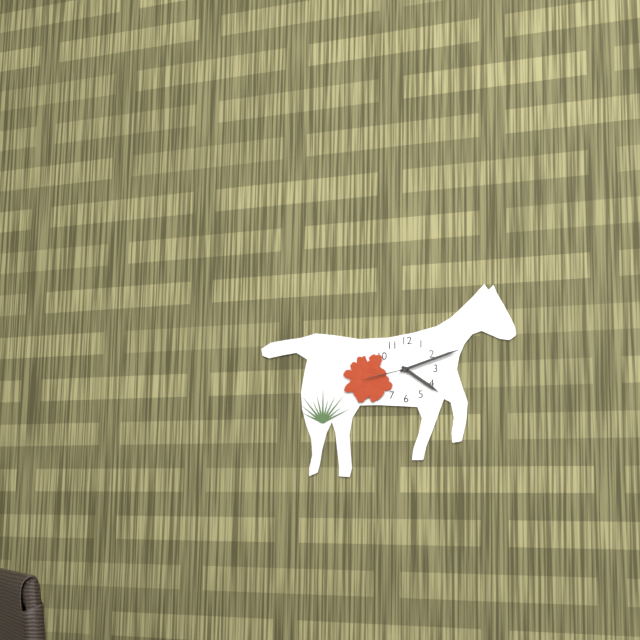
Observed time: 4h12m43s
